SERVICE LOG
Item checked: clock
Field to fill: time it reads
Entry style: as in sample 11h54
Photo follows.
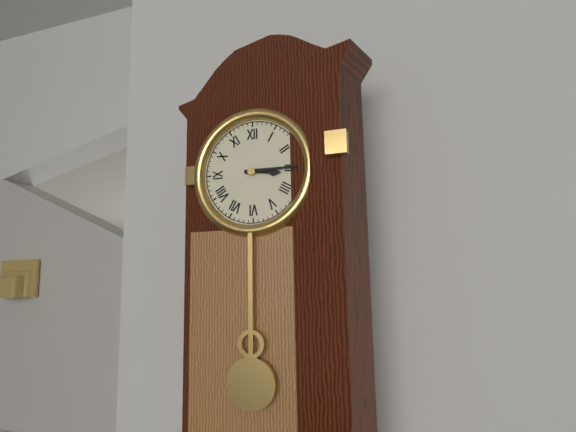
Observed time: 3h15
